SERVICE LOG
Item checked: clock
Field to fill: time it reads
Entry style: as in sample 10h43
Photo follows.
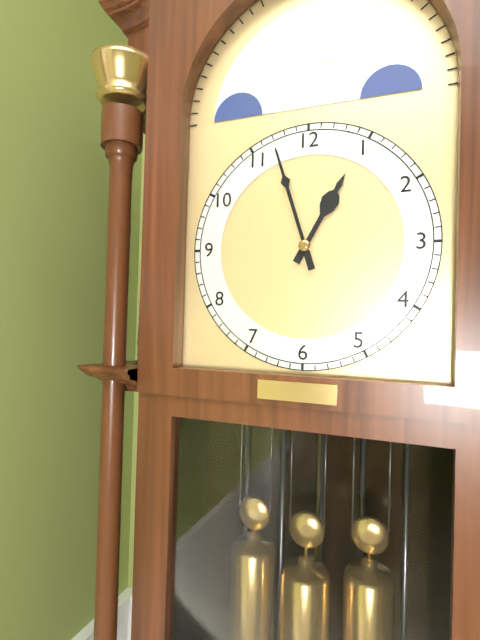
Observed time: 12h57
